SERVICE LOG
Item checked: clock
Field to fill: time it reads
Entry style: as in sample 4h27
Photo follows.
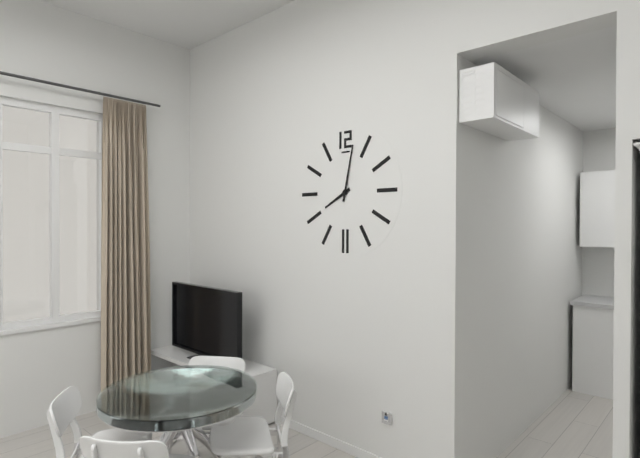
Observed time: 8h02
